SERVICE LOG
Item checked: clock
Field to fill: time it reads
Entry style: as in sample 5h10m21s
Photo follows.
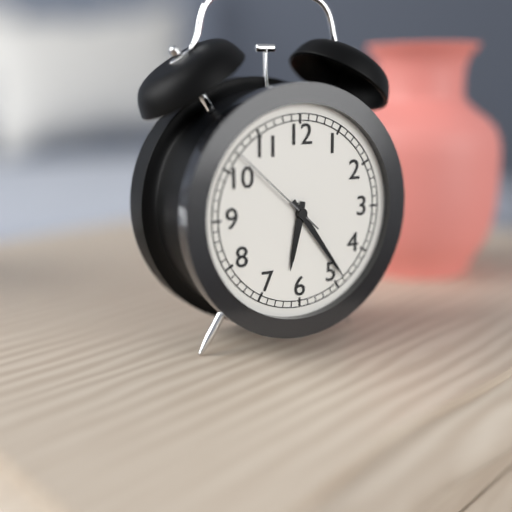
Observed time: 6h24m52s
